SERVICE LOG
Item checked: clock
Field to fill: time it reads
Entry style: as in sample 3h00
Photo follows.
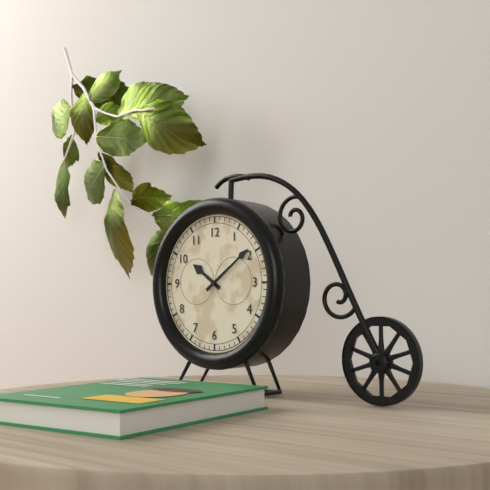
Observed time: 10h09
